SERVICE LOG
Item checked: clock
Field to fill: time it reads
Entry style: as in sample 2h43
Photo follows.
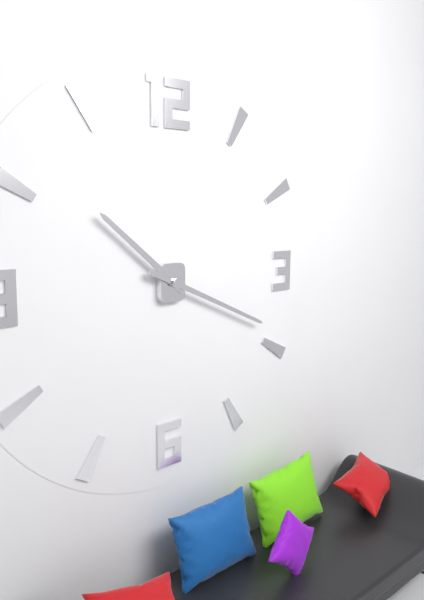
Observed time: 10h19
